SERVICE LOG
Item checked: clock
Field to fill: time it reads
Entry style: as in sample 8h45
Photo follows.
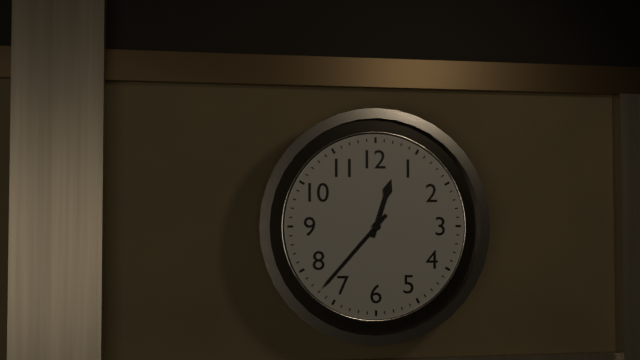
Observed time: 12h37
